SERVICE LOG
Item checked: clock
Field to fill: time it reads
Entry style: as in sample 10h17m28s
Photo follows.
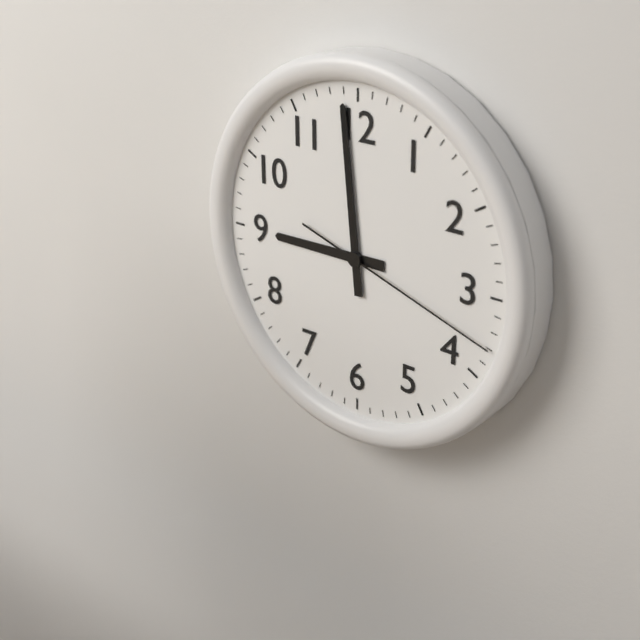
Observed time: 8h59m18s
